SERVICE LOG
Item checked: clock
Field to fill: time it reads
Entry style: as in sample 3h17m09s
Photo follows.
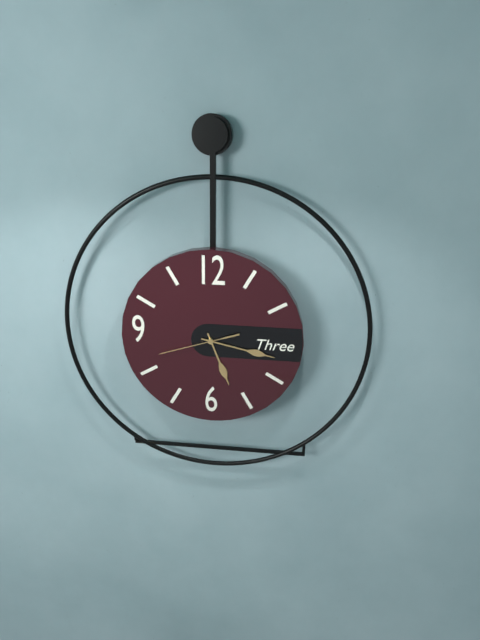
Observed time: 5h17m42s
